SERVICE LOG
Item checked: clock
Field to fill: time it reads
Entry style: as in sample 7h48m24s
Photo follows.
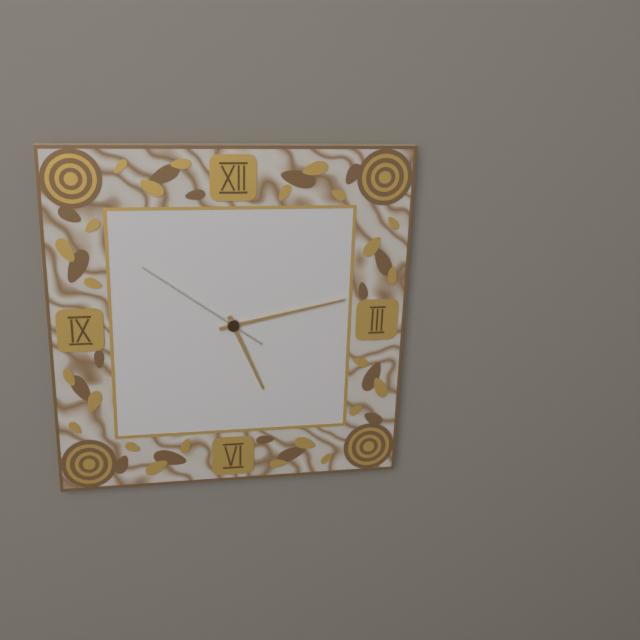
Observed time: 5h13m51s
